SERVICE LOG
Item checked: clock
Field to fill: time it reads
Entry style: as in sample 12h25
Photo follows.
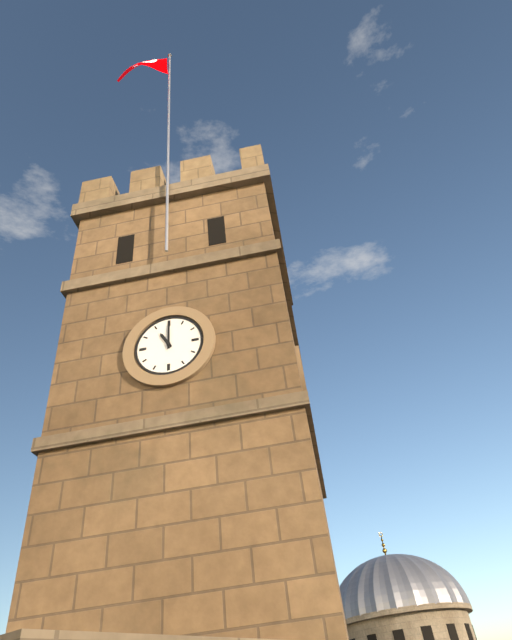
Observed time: 11h00
